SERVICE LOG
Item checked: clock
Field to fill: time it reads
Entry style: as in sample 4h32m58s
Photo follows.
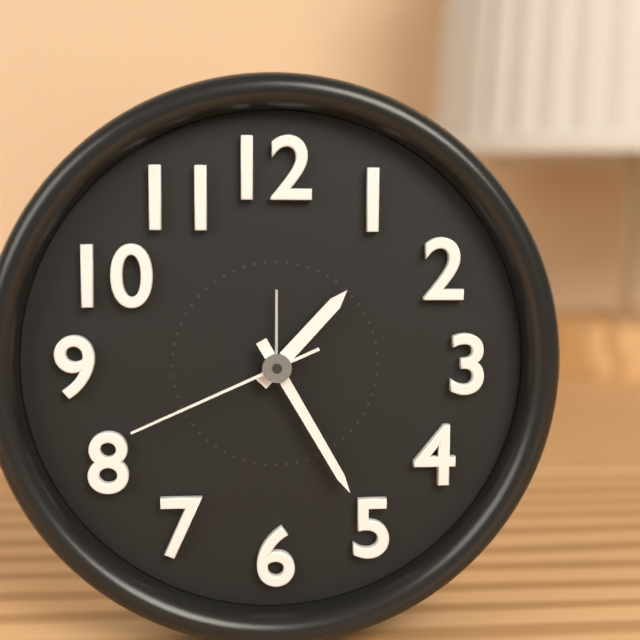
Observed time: 1h25m41s
